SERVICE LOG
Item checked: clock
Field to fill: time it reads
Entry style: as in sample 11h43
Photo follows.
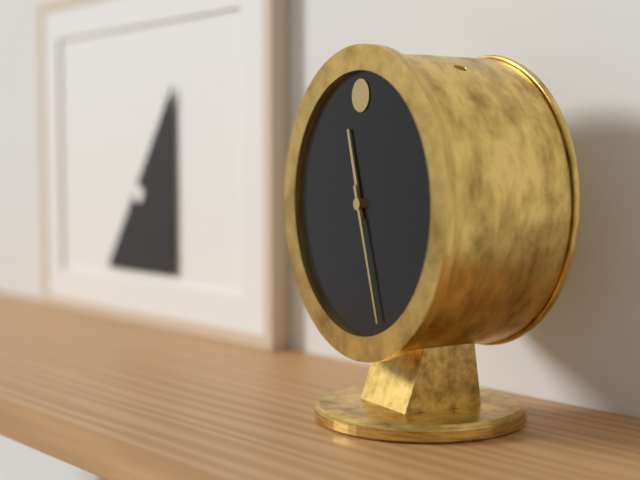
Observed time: 11h27
